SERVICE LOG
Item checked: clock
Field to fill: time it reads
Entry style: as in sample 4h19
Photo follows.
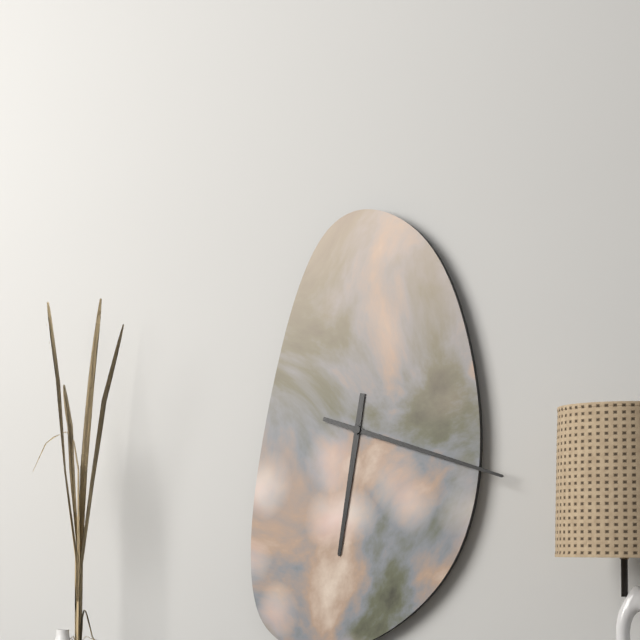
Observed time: 6h18
